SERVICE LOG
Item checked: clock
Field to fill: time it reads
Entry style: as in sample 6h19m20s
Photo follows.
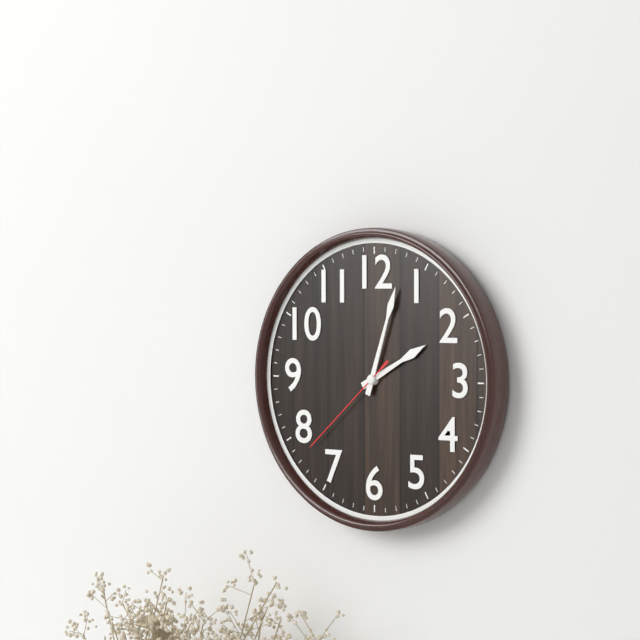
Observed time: 2h03m38s
